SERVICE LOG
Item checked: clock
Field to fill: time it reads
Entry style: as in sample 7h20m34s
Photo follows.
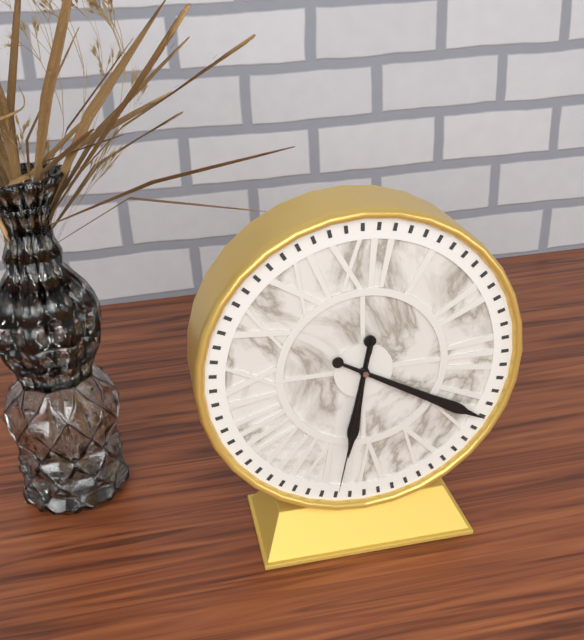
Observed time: 6h20m32s
